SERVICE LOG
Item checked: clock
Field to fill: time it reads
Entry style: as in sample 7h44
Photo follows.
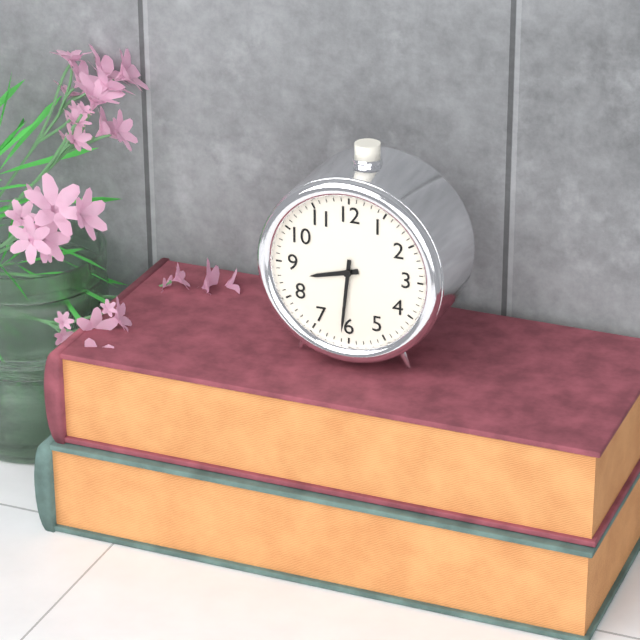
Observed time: 8h31
